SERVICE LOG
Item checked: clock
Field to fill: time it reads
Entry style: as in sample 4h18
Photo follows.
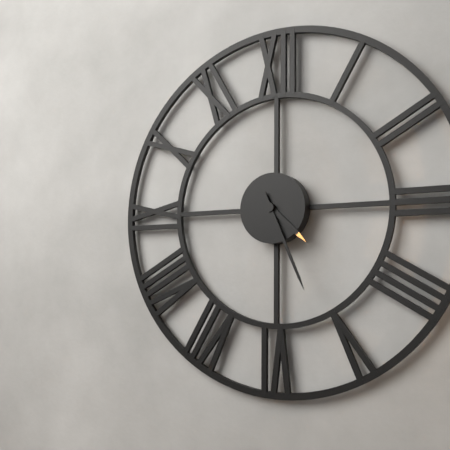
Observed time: 4h26
